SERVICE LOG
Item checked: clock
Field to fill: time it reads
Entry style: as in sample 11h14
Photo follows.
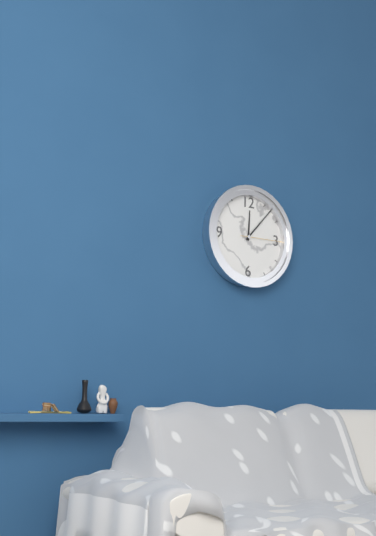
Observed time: 12h07
